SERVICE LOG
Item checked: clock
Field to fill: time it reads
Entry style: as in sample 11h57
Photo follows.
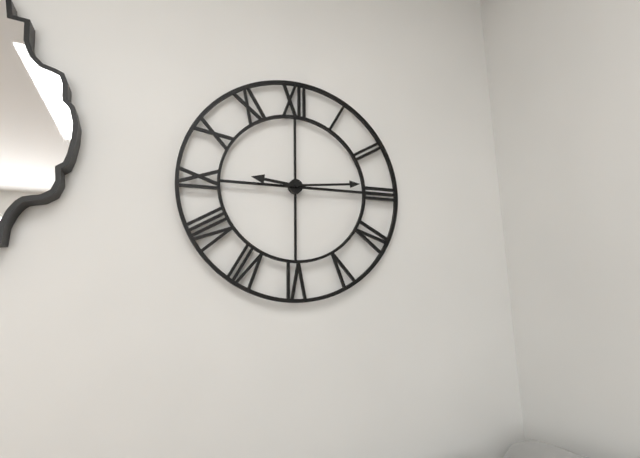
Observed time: 9h14
